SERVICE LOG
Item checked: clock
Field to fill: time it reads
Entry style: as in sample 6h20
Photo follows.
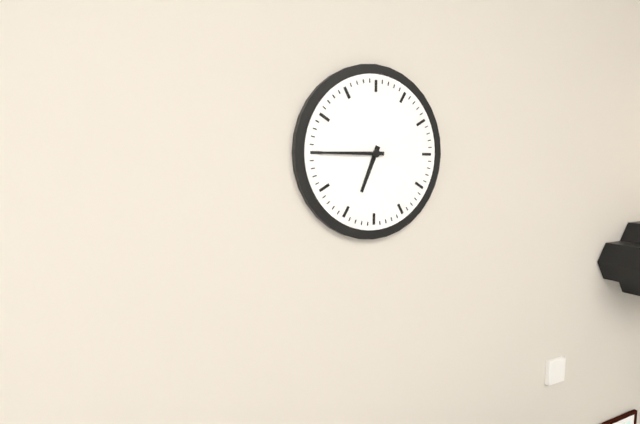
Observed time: 6h45
